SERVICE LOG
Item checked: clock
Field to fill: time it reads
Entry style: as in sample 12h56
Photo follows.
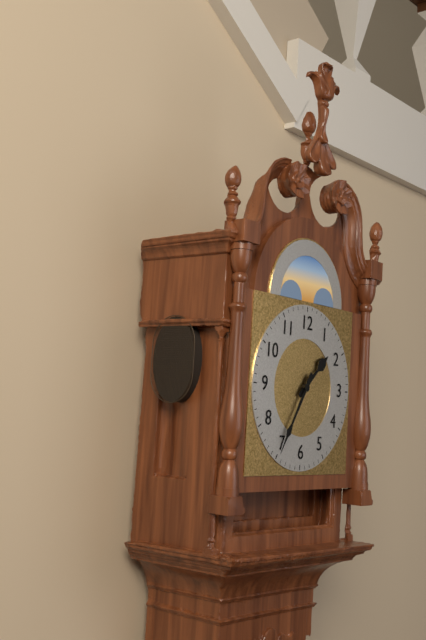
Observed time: 1h35
